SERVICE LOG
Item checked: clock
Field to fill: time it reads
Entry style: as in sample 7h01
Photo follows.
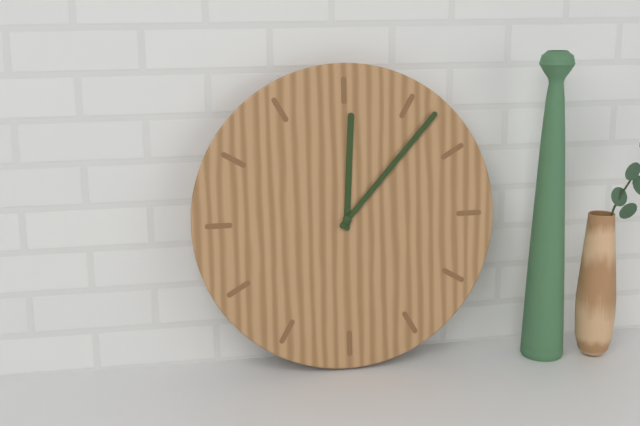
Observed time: 12h07
